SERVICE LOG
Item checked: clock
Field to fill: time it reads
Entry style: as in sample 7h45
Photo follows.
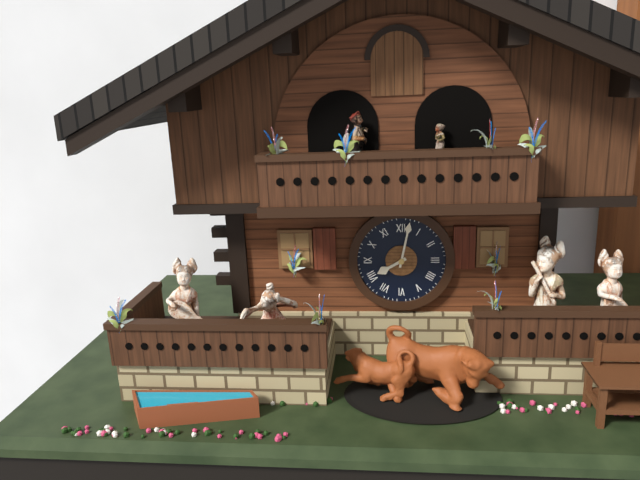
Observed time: 8h02
